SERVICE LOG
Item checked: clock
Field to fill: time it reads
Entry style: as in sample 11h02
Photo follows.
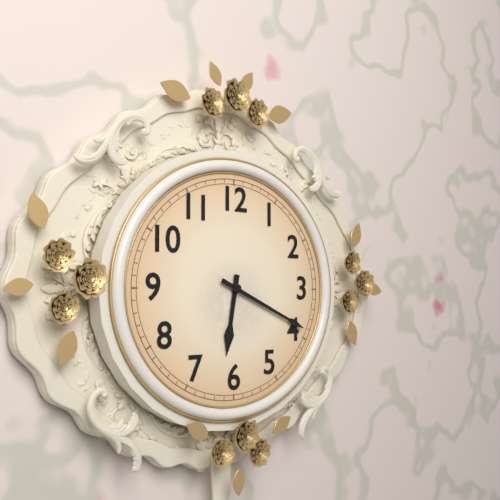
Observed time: 6h19
